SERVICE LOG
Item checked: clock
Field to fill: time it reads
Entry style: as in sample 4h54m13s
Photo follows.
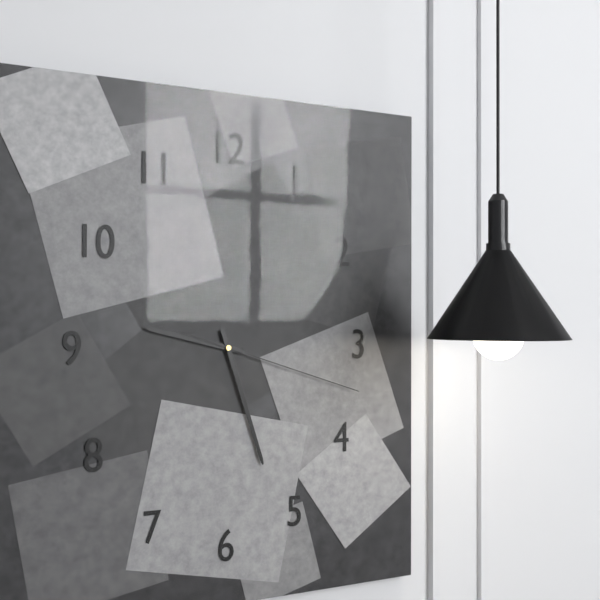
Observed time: 9h27m18s
